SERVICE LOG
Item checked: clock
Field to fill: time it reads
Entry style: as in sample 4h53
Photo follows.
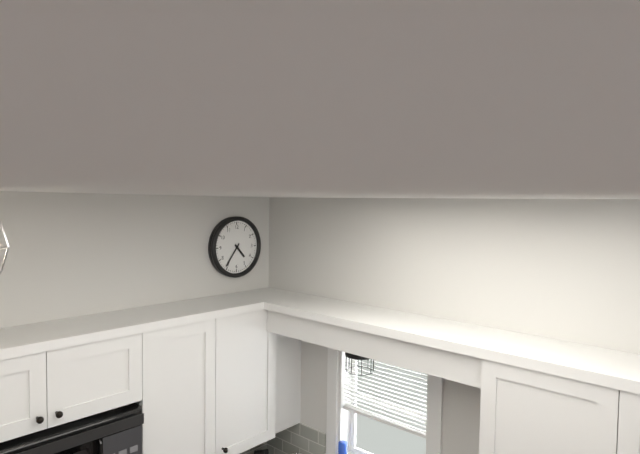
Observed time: 4h36
